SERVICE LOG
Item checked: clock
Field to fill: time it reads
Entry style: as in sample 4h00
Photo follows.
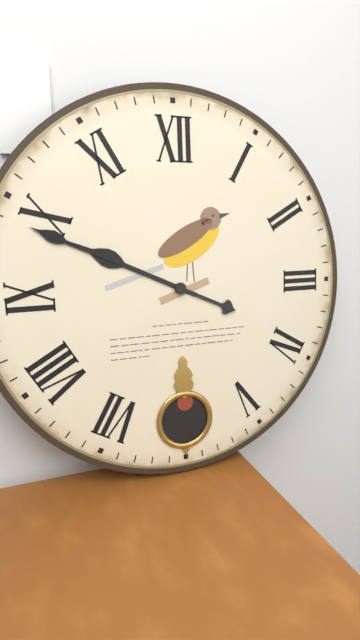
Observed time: 9h49
